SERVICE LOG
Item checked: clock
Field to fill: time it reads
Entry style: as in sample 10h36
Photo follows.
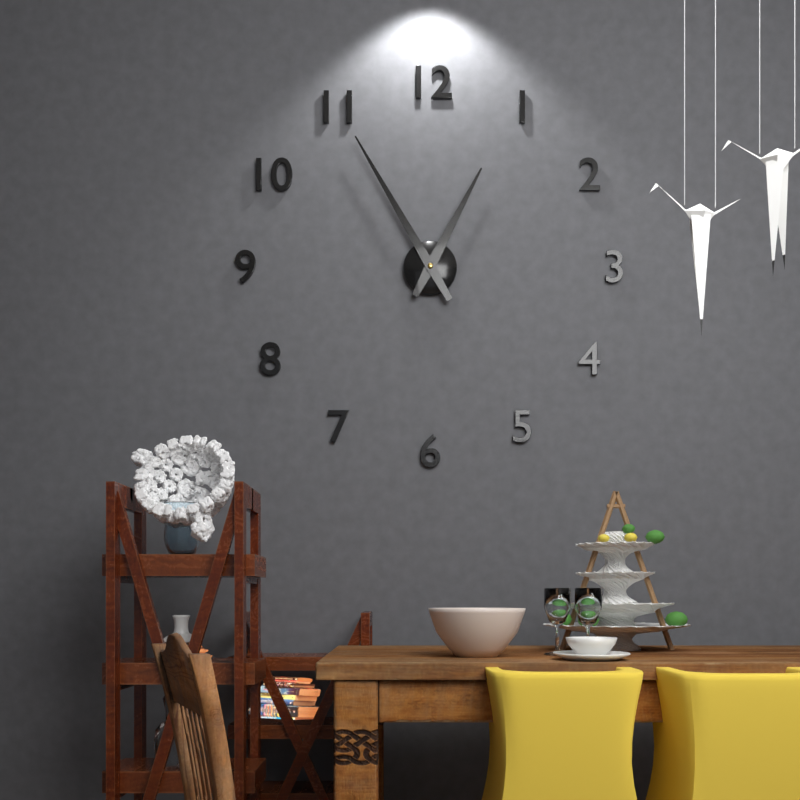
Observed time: 12h55
